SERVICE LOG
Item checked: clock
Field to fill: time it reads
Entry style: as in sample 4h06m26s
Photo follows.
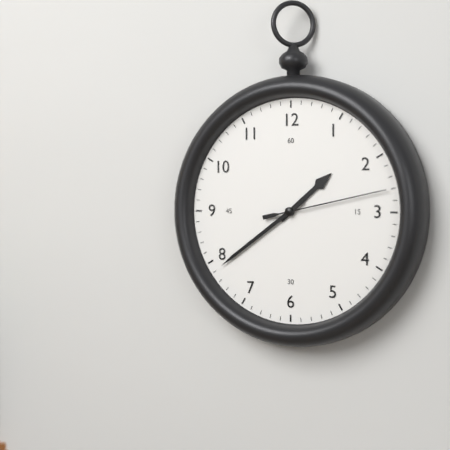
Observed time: 1h39m13s
